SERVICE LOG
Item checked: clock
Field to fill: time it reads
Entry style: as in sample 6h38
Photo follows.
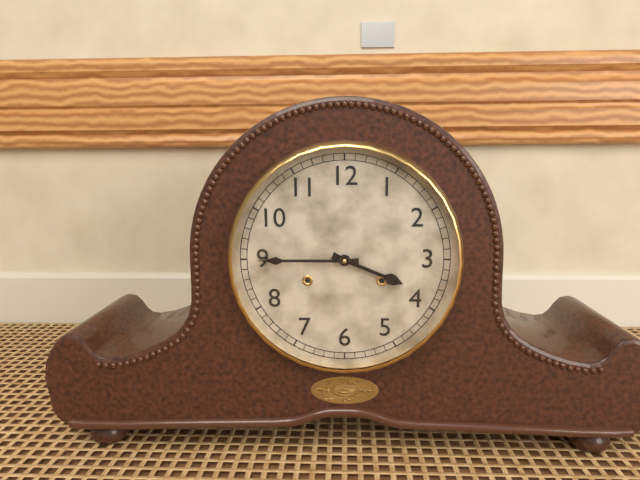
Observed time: 3h45
